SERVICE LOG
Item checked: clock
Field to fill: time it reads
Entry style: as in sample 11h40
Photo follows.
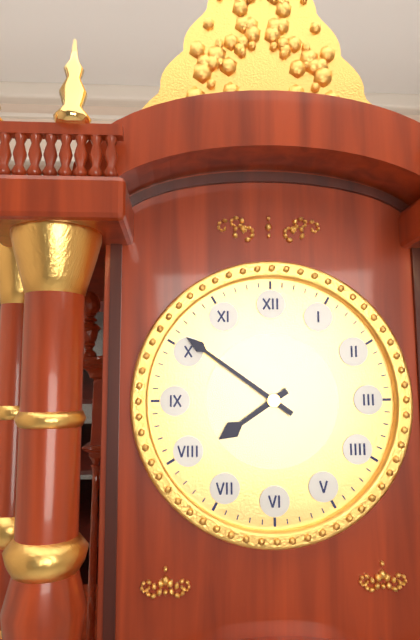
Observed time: 7h51
